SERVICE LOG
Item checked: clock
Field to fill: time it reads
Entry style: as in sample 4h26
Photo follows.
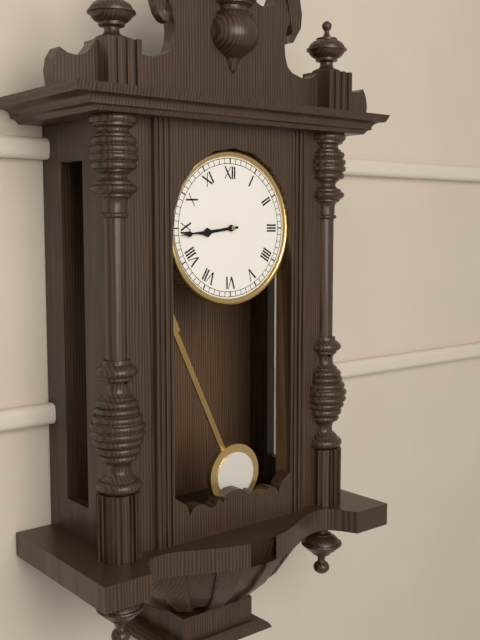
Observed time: 8h44
